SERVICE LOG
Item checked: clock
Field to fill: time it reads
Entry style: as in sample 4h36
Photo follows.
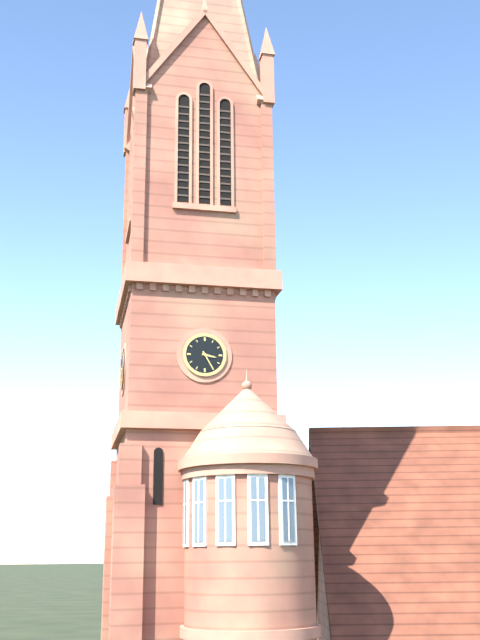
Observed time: 3h25
